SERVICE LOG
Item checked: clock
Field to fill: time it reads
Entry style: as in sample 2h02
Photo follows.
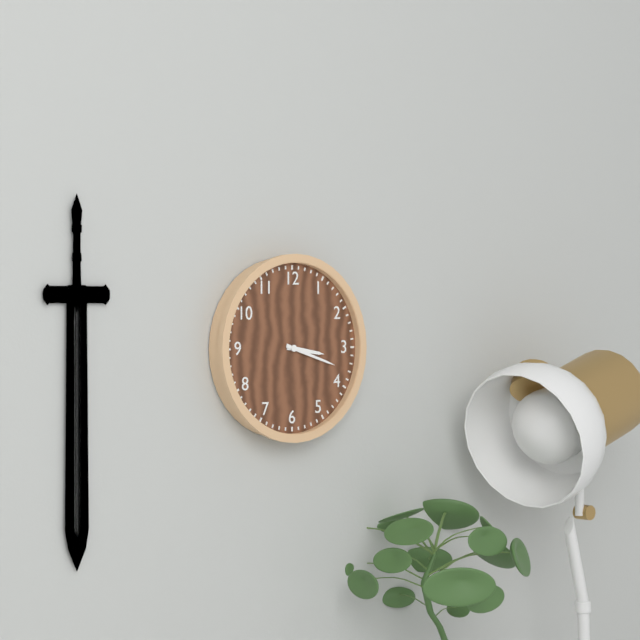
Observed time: 3h18
